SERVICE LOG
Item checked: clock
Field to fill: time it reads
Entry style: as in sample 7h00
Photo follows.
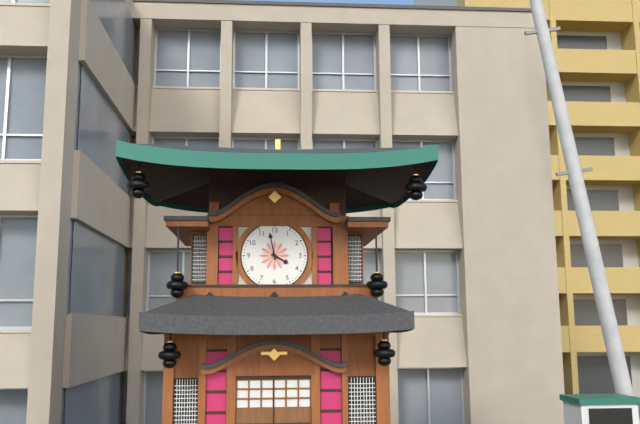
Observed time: 3h58
